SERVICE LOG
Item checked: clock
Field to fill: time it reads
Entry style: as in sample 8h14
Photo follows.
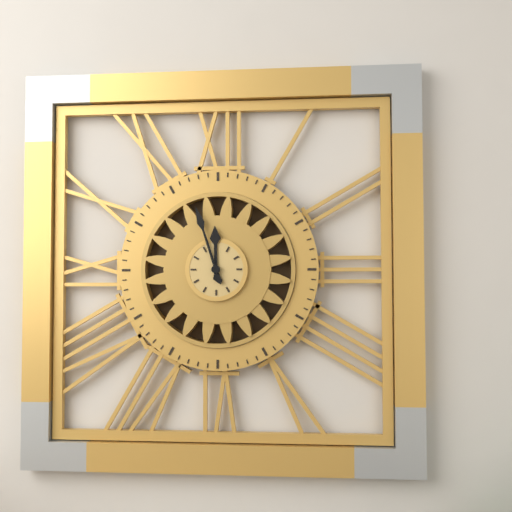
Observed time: 11h57
